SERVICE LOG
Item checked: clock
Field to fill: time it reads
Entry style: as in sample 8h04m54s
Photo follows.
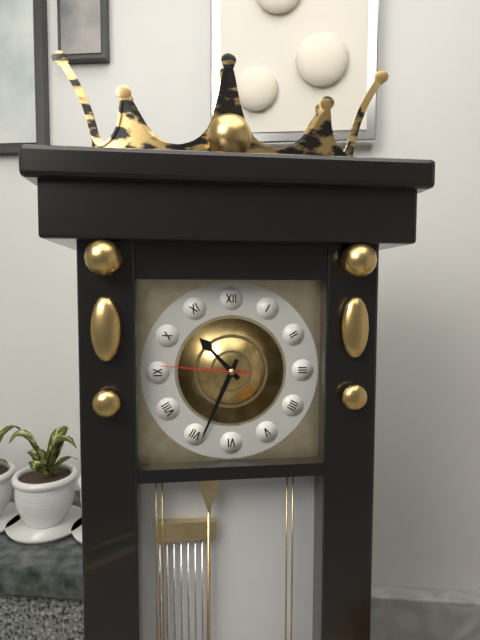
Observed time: 10h34m46s
